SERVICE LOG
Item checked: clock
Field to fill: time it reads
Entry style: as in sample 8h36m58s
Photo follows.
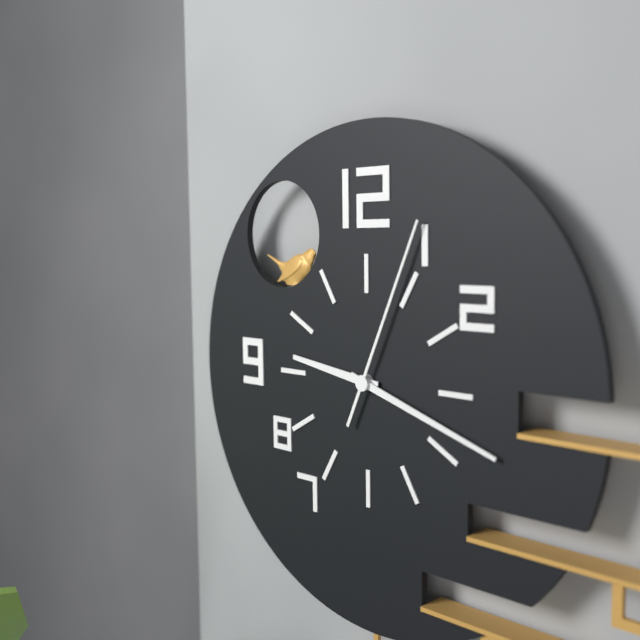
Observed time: 9h18m04s
